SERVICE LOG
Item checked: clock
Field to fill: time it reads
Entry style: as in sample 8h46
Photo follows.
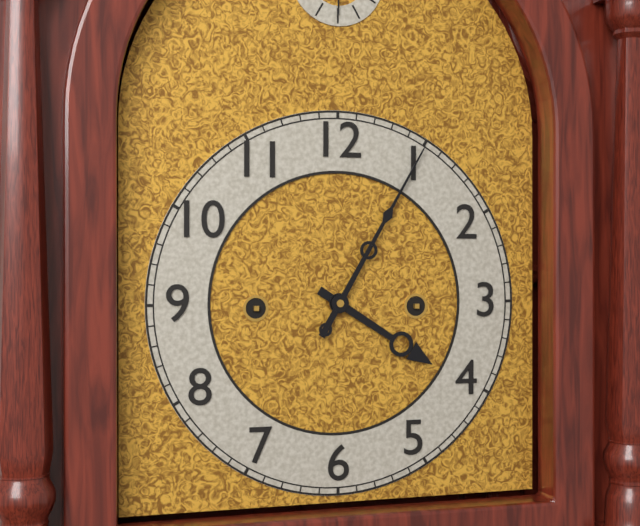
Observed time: 4h05
